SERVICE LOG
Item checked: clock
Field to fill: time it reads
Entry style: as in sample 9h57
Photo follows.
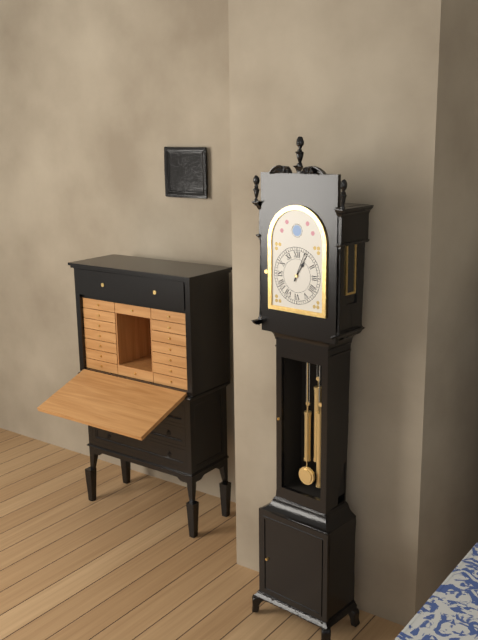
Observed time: 1h04
